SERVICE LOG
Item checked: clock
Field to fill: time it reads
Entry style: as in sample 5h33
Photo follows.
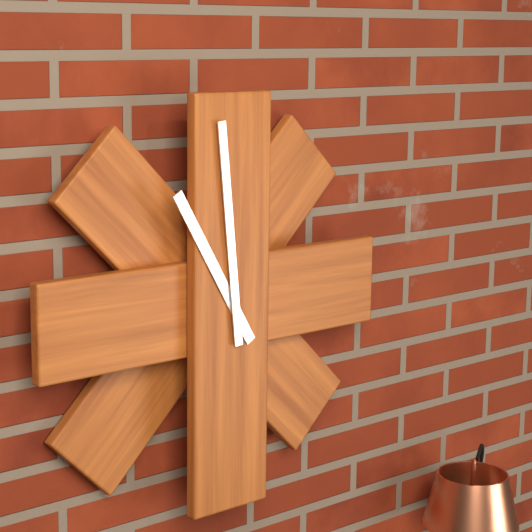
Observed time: 10h59
